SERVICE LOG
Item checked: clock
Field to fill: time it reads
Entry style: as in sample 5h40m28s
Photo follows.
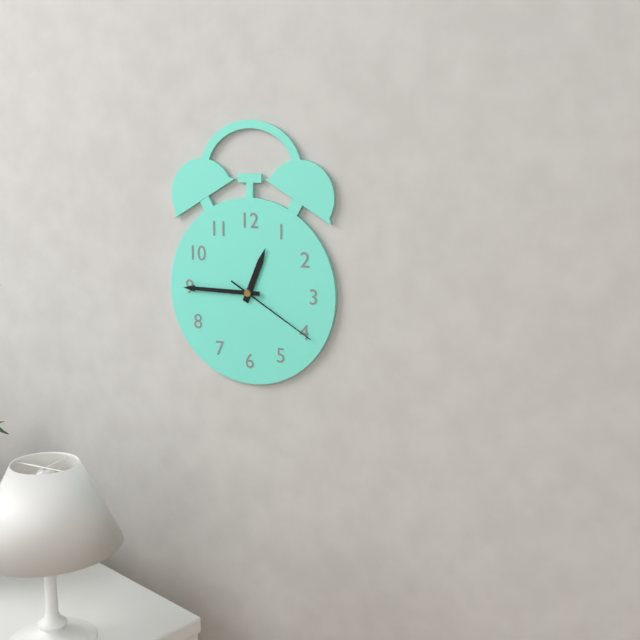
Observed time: 12h45m20s
